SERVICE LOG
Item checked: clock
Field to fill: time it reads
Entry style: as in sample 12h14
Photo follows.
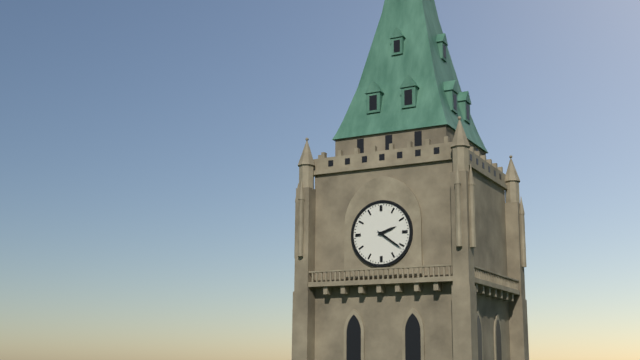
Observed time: 2h21
